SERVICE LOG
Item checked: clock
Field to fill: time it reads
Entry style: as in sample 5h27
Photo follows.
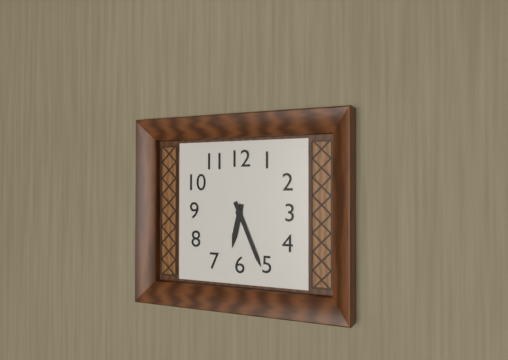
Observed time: 6h26
